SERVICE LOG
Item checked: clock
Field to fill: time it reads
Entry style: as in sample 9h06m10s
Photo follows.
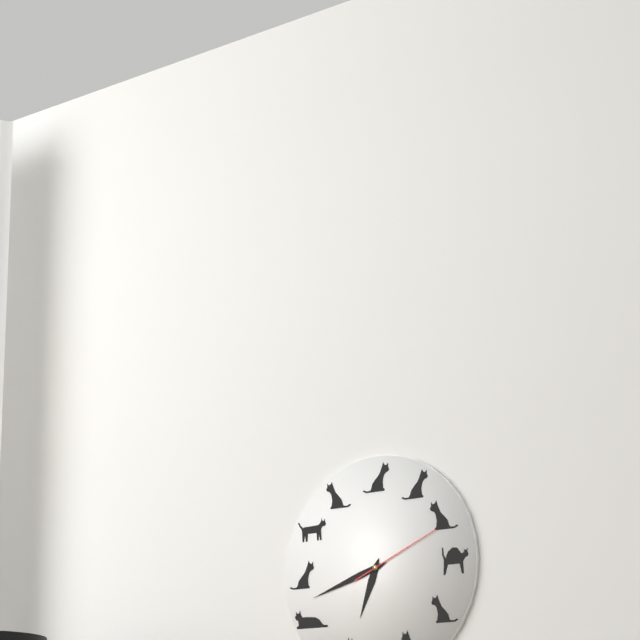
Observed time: 6h42m11s
